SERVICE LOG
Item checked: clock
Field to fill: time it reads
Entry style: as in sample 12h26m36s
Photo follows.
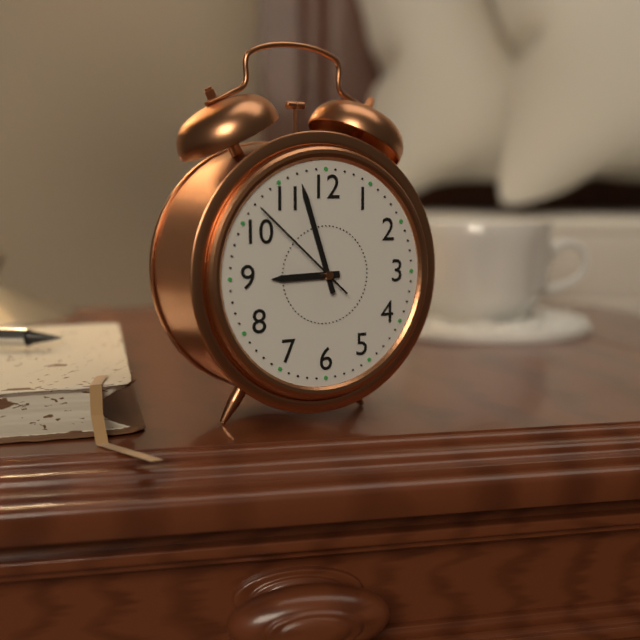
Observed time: 8h57m52s
